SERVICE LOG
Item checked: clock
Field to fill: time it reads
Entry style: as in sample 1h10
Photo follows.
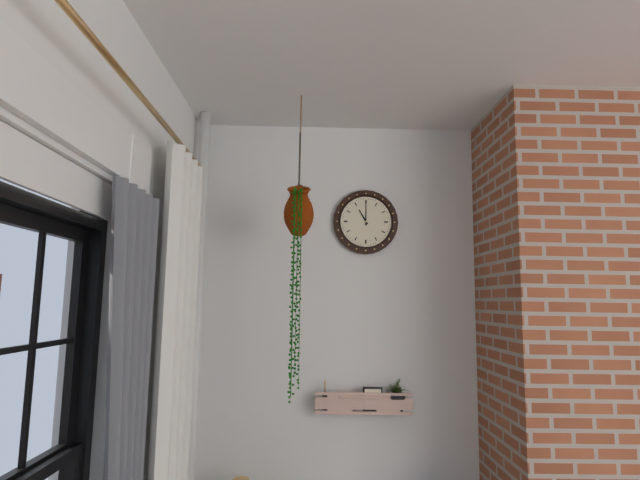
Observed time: 11h00
